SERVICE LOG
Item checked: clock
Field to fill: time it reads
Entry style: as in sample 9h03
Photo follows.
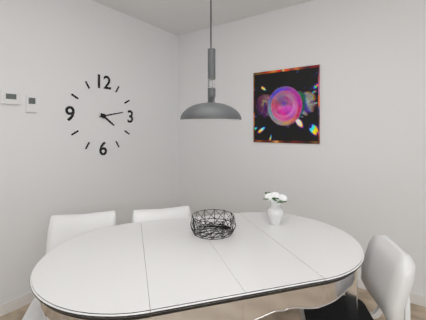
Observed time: 4h13
